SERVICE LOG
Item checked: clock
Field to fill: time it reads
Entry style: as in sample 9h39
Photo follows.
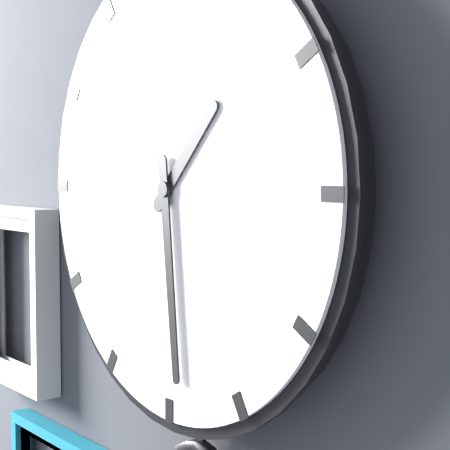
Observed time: 1h29
